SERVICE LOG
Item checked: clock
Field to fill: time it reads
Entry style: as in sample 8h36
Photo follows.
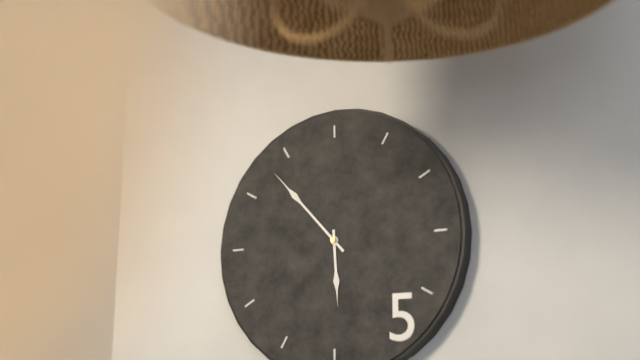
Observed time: 5h53
